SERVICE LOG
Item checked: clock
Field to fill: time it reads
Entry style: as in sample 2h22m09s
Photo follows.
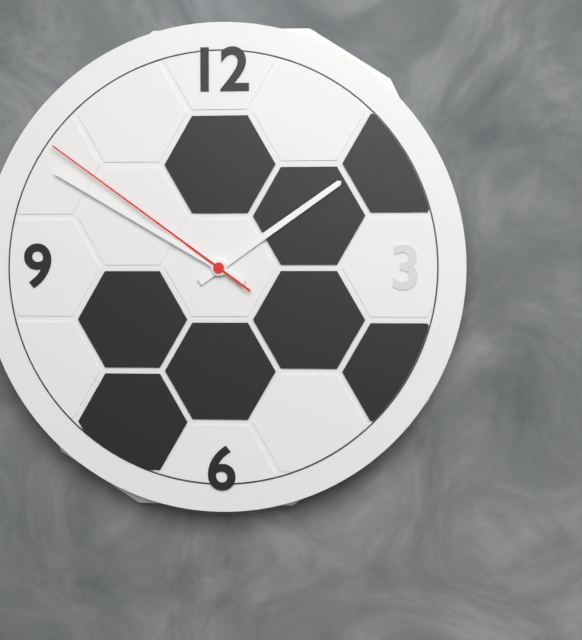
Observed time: 1h50m51s
